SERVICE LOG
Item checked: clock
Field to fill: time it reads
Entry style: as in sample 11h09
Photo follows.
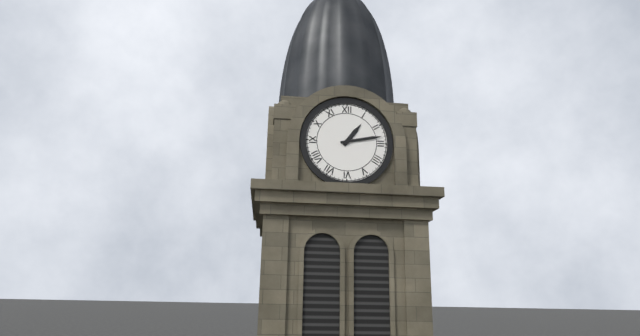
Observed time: 1h13
